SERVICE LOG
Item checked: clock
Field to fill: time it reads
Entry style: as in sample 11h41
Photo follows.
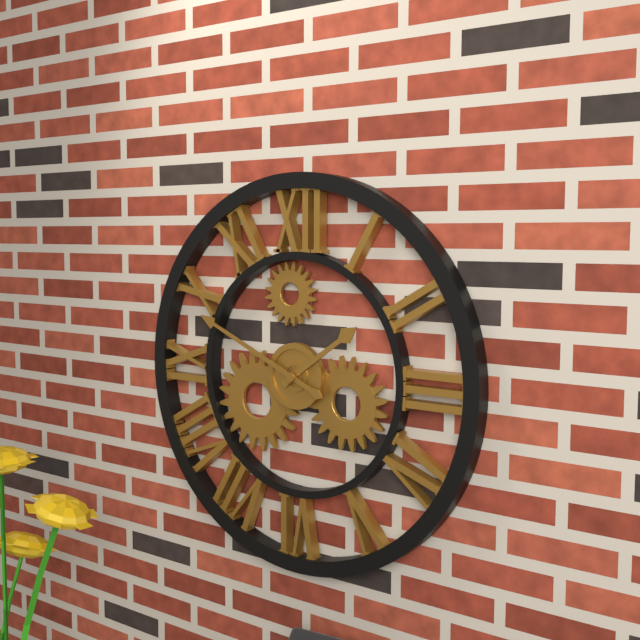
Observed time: 1h49
